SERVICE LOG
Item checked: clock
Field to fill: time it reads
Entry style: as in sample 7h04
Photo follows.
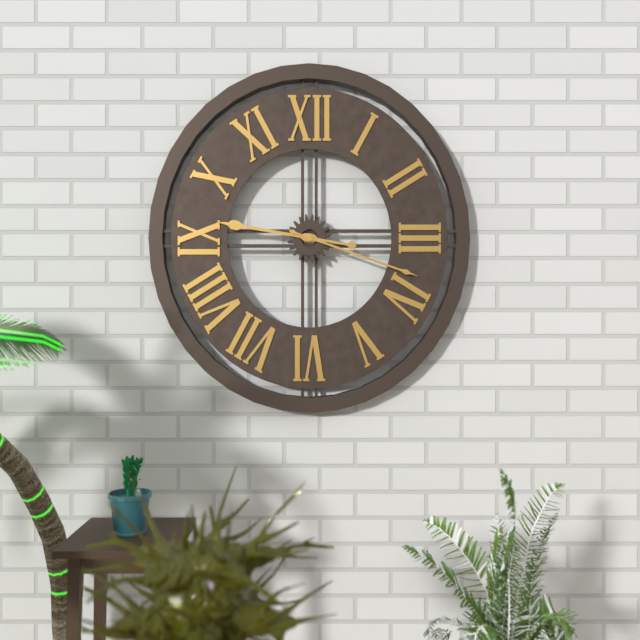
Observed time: 9h18
